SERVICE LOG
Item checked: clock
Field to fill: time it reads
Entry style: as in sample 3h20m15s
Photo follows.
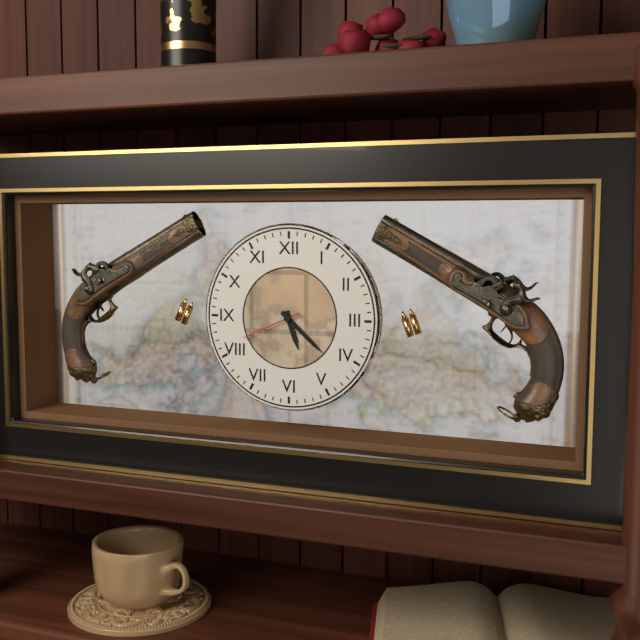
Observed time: 5h22m41s
